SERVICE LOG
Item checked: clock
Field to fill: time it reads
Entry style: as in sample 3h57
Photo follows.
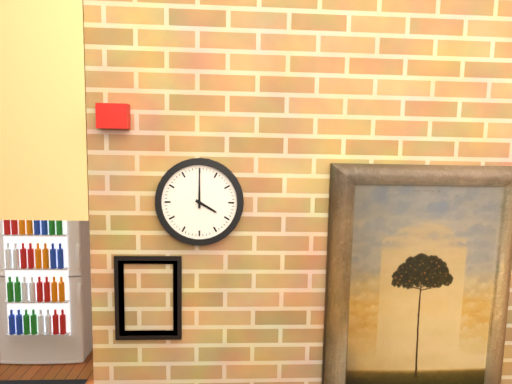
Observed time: 4h00
